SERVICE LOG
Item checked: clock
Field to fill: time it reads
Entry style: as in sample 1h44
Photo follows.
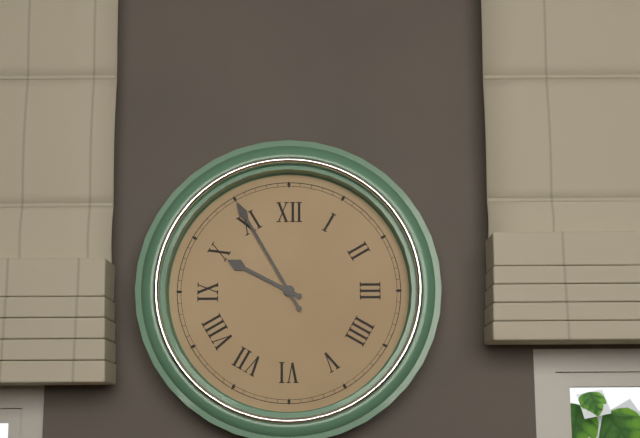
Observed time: 9h55
